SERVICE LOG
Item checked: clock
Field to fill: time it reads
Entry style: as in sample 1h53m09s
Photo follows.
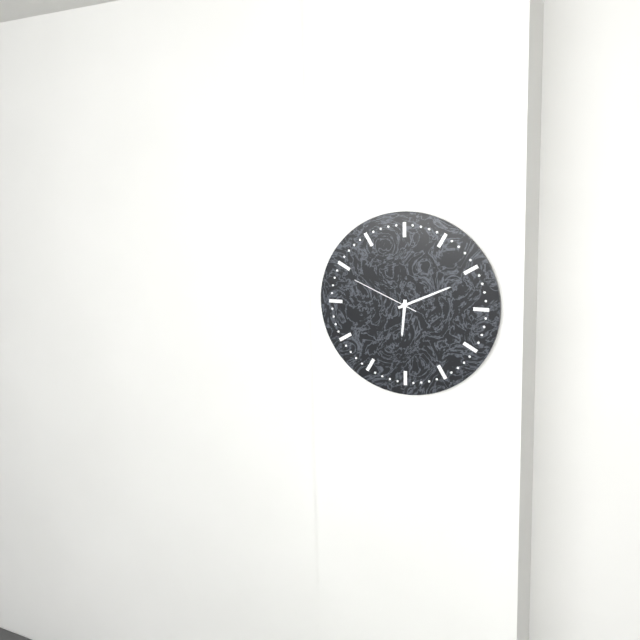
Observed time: 6h11m49s
